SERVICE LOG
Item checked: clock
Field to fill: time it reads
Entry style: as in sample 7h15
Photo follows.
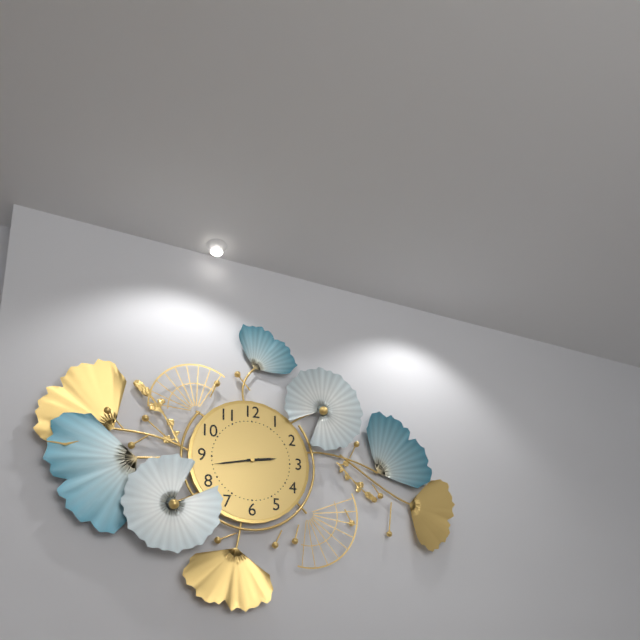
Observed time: 2h43
